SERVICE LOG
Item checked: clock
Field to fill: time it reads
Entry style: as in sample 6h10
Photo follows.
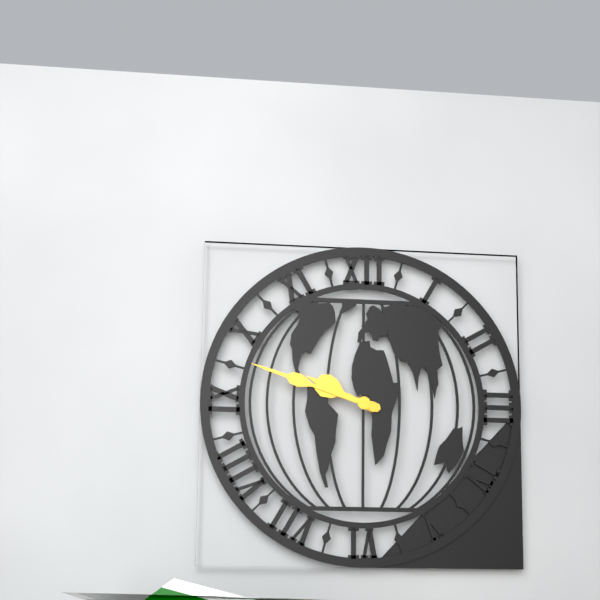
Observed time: 9h48
